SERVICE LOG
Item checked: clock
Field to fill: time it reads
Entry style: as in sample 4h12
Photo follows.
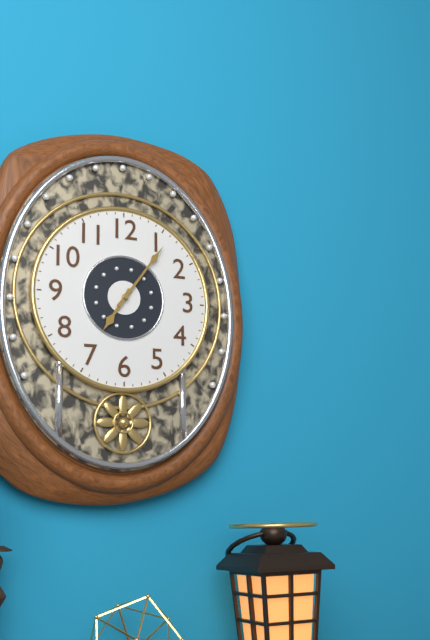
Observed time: 7h06
